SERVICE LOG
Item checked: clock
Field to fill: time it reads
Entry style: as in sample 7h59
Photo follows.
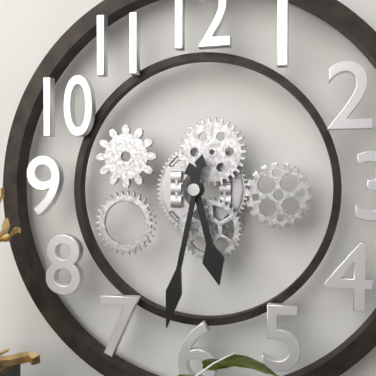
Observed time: 5h32
